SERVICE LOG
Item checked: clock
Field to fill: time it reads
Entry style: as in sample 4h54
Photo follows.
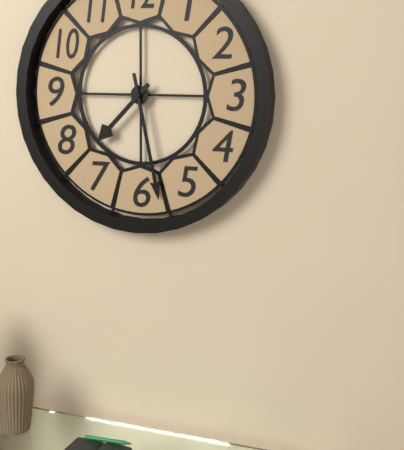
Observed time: 7h28
